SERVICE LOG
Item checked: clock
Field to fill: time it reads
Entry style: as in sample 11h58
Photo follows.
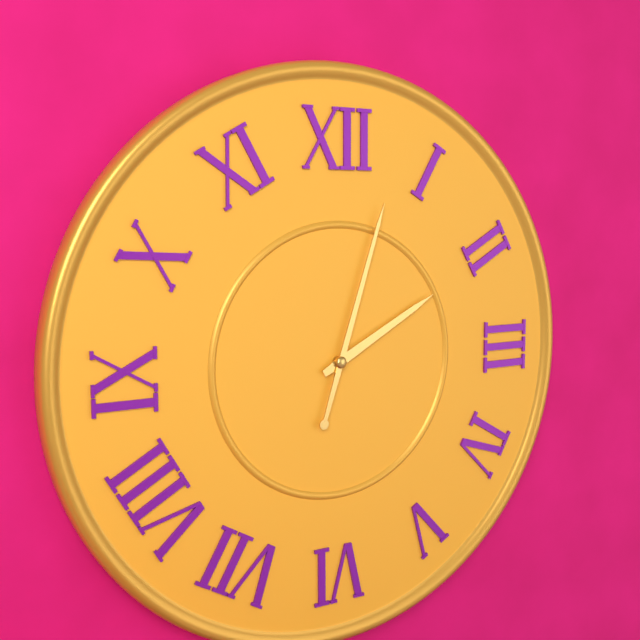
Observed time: 2h03
